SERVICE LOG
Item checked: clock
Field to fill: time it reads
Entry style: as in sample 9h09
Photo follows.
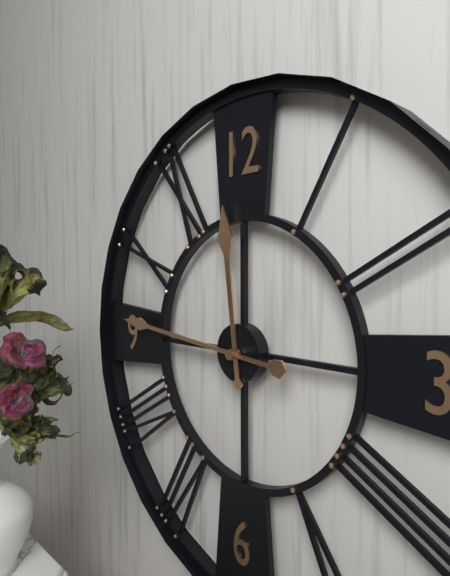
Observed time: 11h46
